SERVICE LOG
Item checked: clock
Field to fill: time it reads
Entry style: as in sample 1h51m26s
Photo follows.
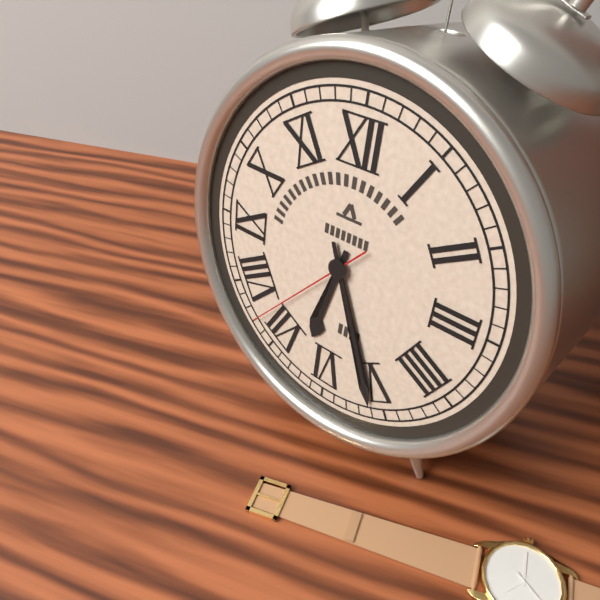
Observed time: 6h26m37s
